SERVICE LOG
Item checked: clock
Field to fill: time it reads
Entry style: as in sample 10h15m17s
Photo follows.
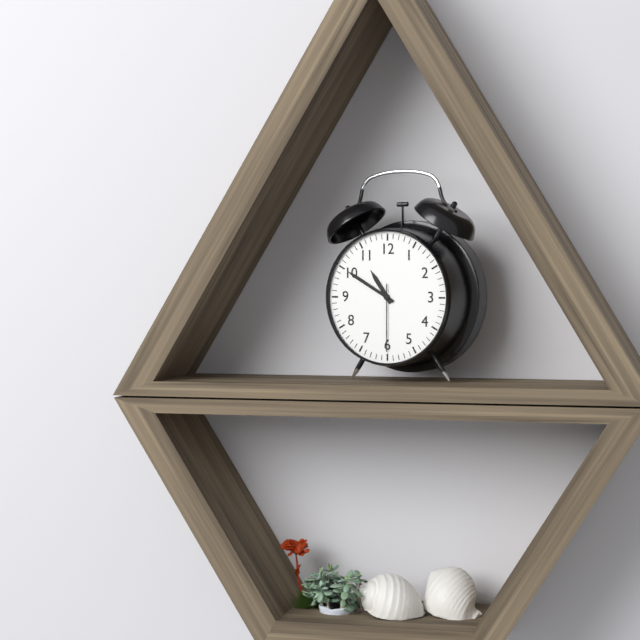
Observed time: 10h50m30s
